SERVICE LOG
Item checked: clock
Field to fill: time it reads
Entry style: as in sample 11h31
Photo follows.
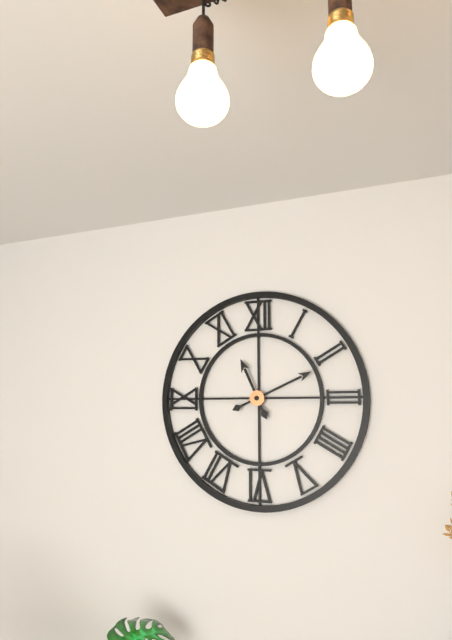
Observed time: 11h11
